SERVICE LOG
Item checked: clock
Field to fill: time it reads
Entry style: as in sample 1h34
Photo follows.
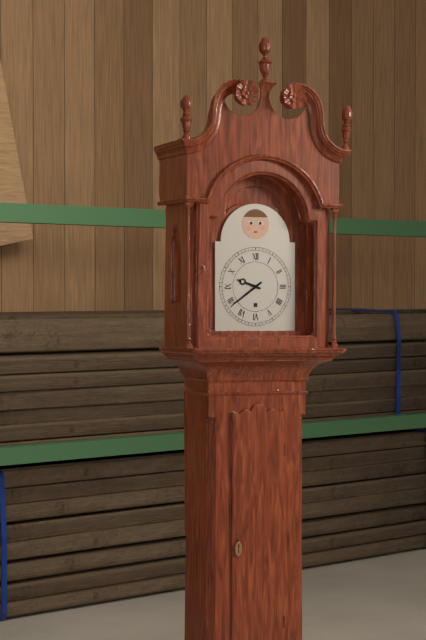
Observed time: 9h39
